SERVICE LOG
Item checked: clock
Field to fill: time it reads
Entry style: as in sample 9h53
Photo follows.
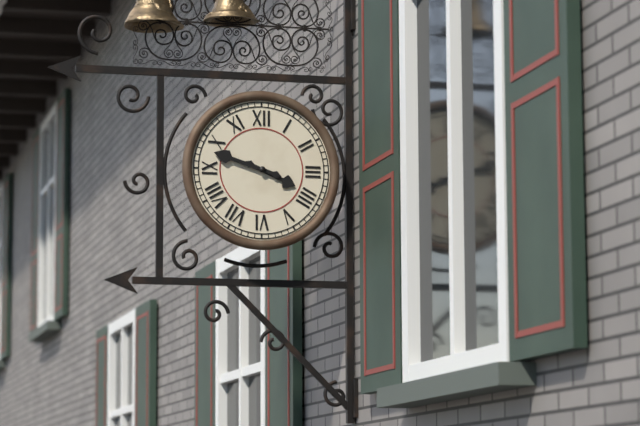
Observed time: 3h48
